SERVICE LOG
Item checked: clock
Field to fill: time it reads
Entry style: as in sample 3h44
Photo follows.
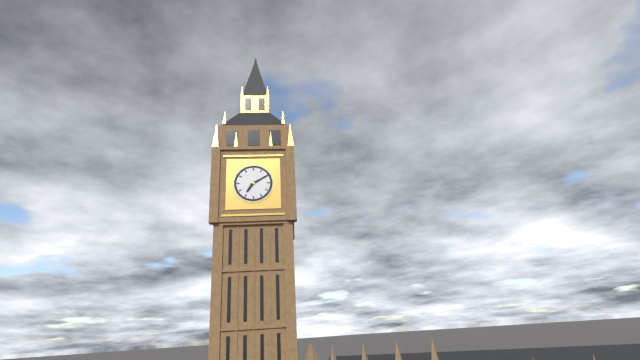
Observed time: 7h10
